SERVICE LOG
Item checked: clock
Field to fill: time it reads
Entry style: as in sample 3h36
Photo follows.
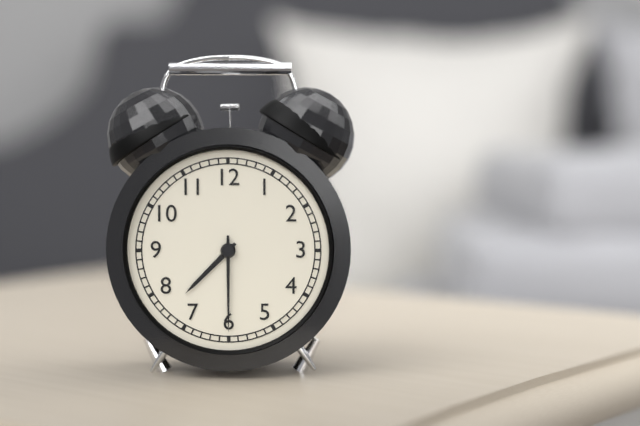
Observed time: 7h30
